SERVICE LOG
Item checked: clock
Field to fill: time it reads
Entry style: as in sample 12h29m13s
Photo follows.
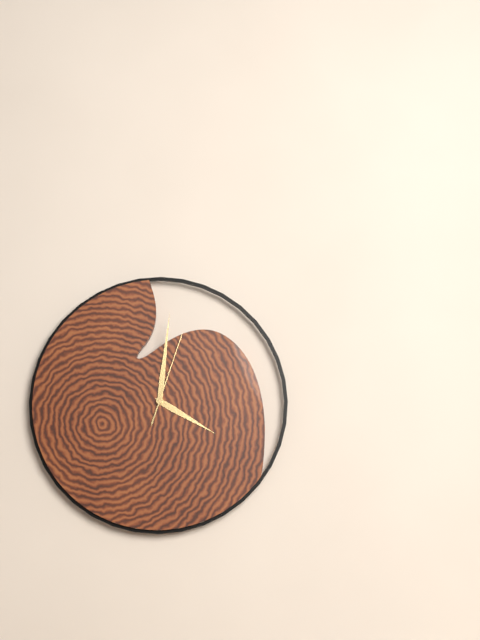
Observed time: 4h01m03s
